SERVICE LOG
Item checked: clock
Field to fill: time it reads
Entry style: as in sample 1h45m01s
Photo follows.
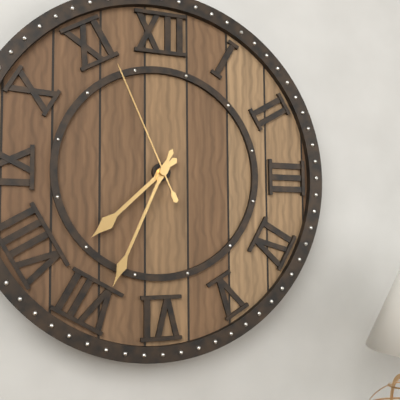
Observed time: 7h34m56s
